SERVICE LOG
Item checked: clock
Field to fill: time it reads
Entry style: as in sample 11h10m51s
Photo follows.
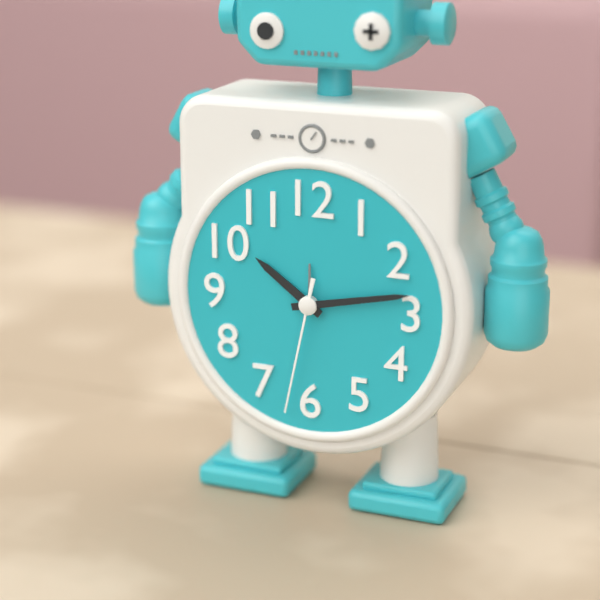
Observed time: 10h13m32s
